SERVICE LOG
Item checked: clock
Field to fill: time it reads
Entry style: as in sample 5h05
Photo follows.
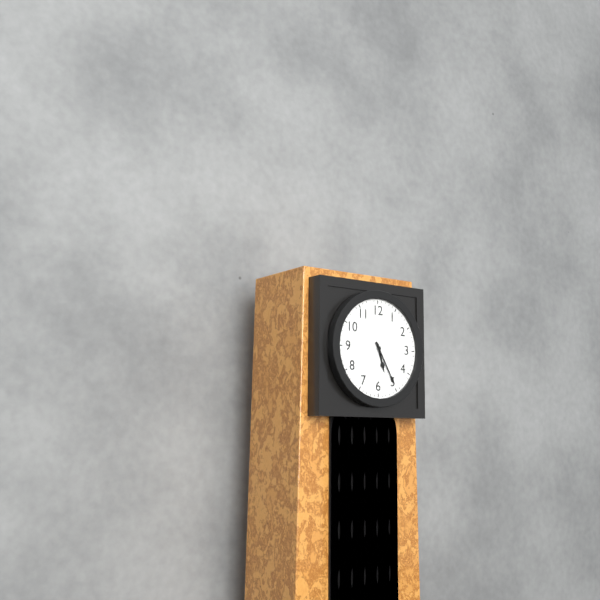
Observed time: 5h25
